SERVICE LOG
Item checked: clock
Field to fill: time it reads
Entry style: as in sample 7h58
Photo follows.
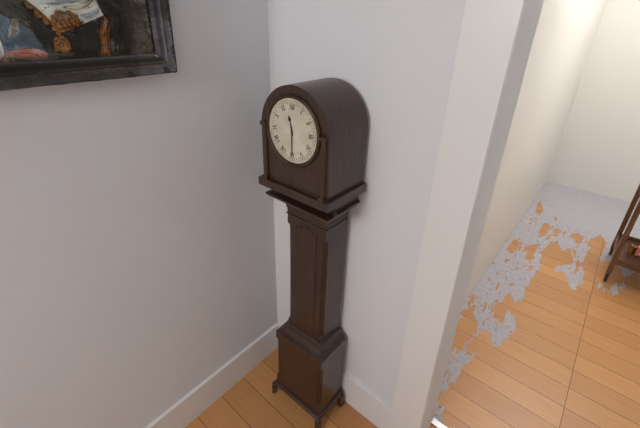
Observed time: 11h30
